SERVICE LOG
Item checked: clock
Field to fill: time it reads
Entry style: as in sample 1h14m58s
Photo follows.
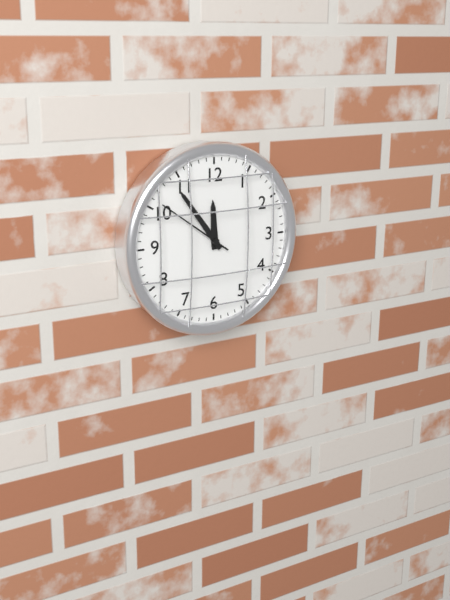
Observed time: 11h54m51s
